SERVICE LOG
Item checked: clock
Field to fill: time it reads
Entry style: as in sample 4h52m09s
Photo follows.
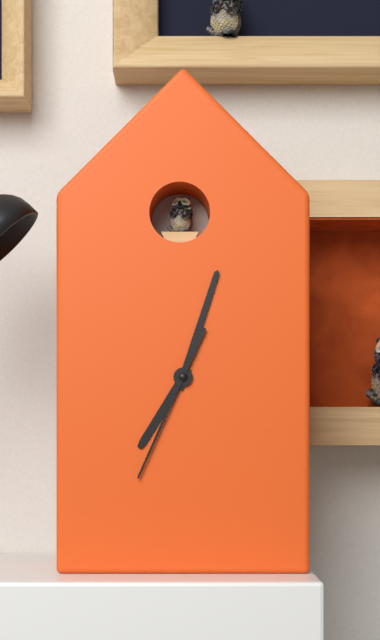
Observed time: 7h03m34s
